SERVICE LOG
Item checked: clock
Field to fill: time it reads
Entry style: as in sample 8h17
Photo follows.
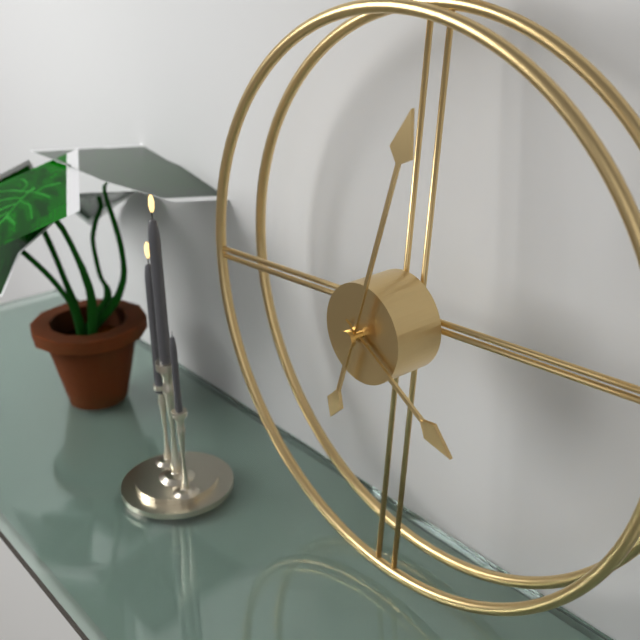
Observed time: 4h03
